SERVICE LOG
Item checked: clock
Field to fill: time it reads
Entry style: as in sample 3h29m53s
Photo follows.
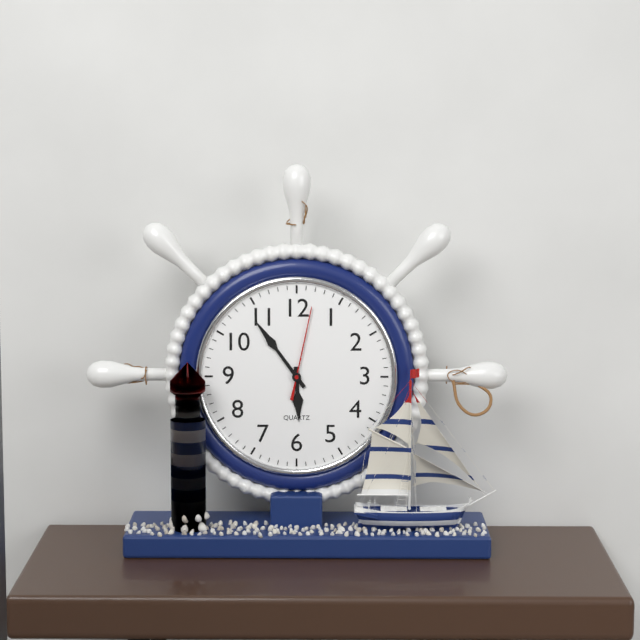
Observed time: 5h54m02s
